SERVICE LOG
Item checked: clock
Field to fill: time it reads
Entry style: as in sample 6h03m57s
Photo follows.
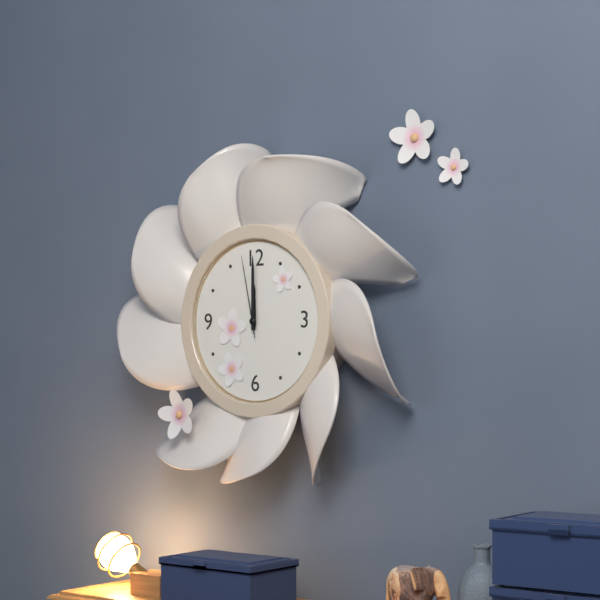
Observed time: 12h00m58s
